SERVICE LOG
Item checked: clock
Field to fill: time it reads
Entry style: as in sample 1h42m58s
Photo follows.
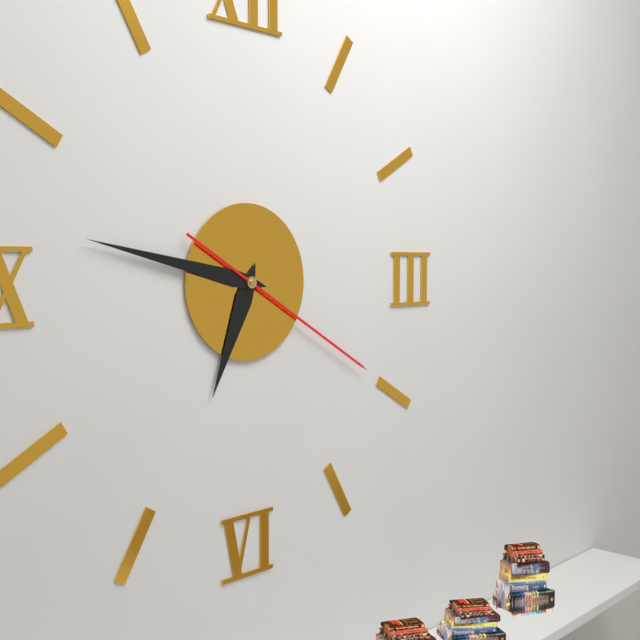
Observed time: 6h47m20s
